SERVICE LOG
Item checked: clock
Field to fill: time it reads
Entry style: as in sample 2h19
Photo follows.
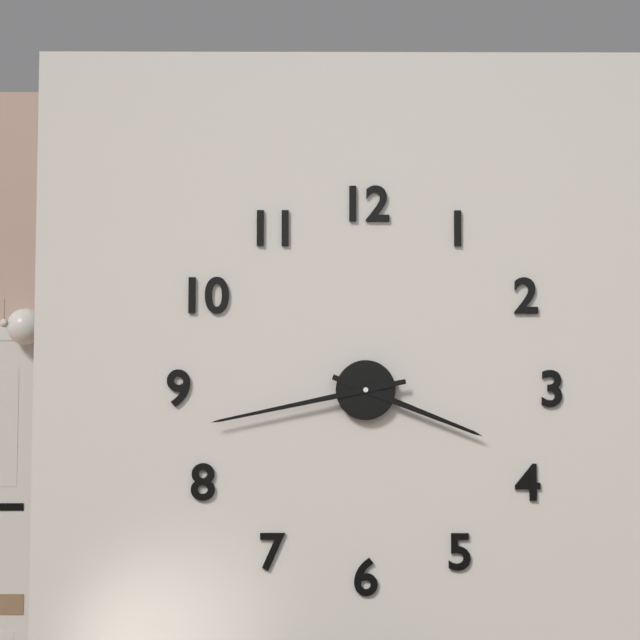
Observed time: 3h43
